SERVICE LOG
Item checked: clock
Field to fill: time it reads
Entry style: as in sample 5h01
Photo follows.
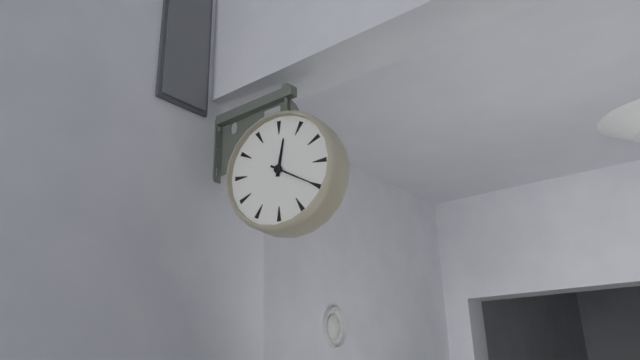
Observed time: 12h20
